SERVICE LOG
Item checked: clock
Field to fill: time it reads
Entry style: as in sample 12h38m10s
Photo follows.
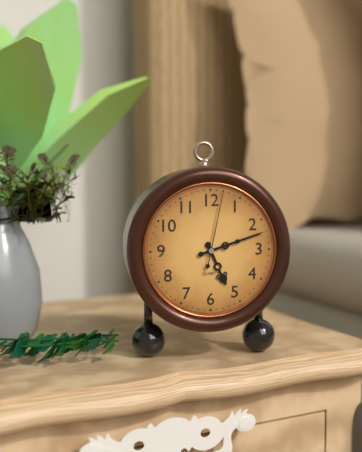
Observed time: 5h12m02s
